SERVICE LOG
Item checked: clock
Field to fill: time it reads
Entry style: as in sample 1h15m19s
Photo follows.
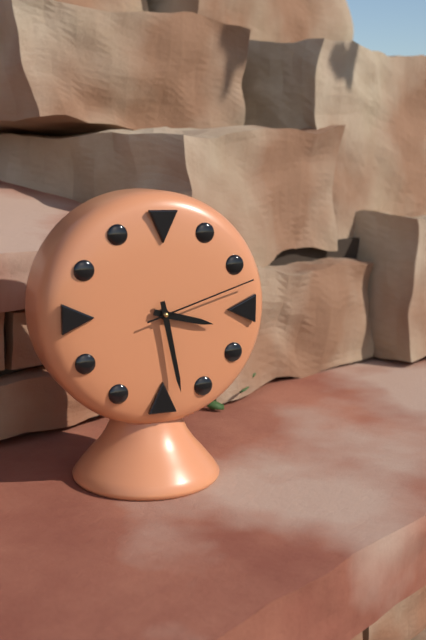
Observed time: 3h28m12s
